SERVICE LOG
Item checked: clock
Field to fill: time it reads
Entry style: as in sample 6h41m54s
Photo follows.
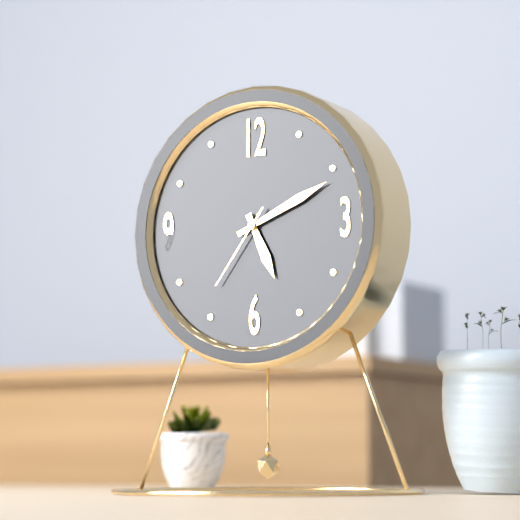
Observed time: 5h11m36s
